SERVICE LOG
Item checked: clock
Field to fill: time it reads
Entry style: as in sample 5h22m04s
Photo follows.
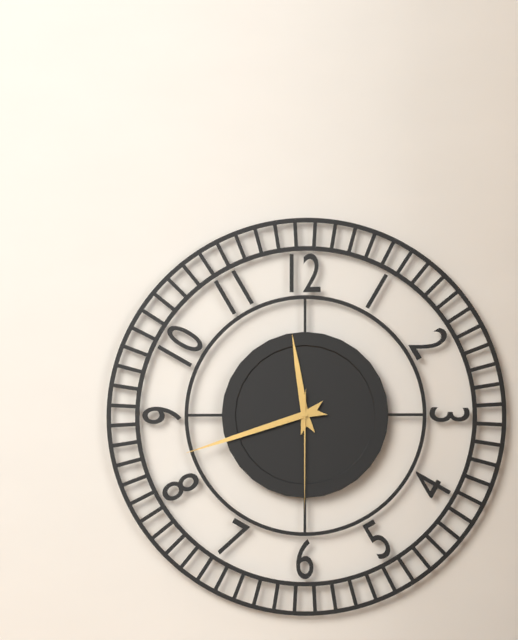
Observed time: 11h42m30s
